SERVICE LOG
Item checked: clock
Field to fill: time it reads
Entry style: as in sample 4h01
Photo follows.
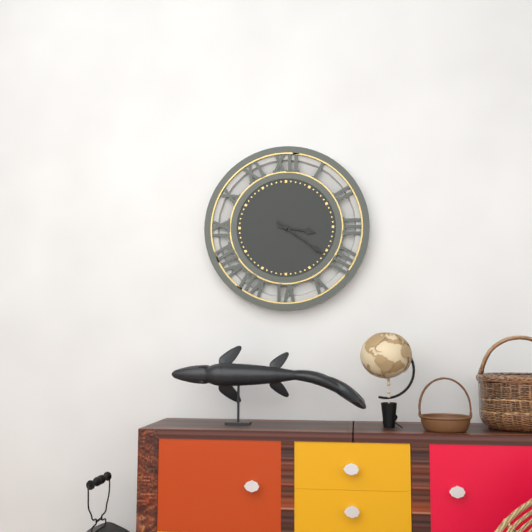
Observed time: 3h21
